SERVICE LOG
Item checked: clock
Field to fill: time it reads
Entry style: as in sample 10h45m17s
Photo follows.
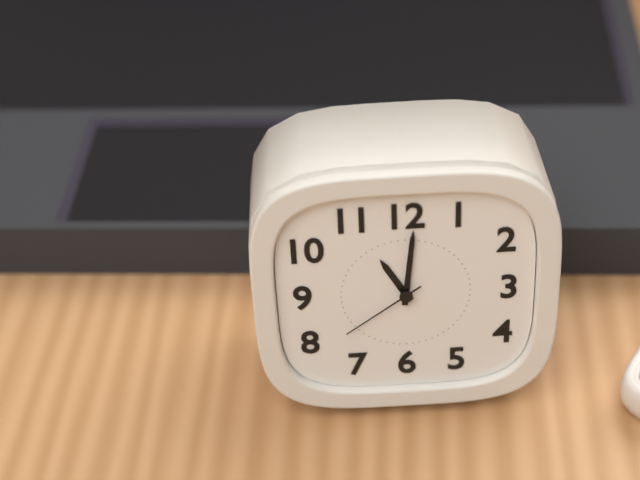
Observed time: 11h01m39s
